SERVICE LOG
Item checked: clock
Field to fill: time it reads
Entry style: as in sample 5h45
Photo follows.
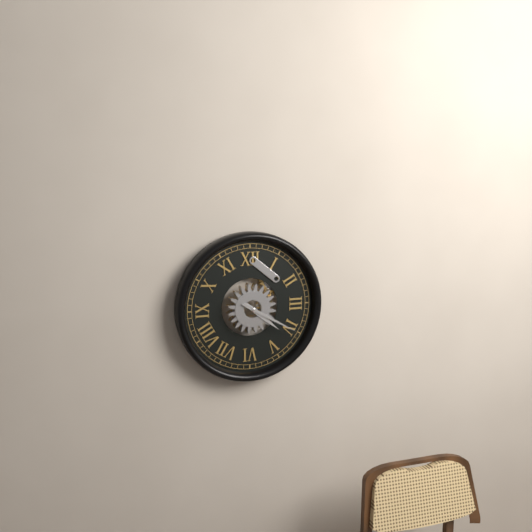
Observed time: 4h20
